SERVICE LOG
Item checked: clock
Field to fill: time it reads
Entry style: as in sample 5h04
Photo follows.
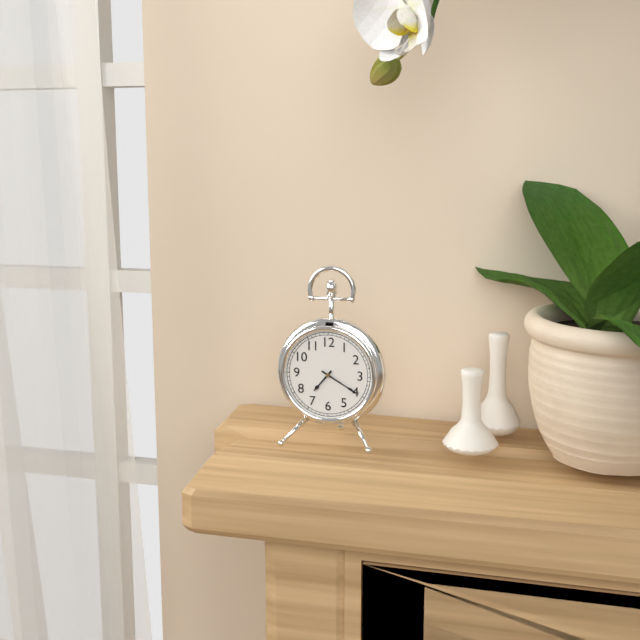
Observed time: 7h20
